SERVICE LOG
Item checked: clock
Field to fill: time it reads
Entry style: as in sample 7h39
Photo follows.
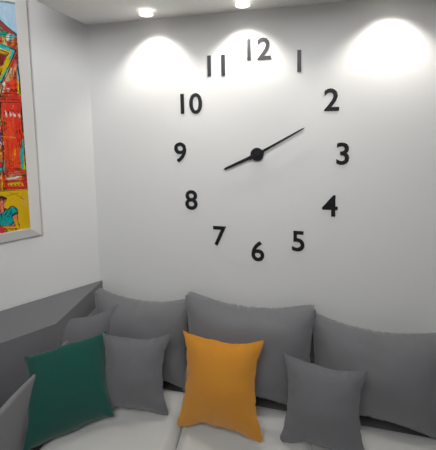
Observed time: 8h10
